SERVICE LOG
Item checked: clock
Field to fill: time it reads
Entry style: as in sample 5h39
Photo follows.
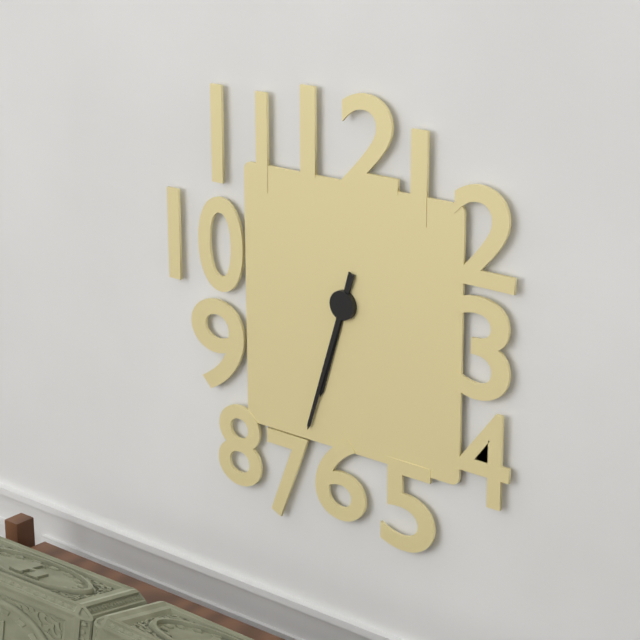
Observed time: 6h33
